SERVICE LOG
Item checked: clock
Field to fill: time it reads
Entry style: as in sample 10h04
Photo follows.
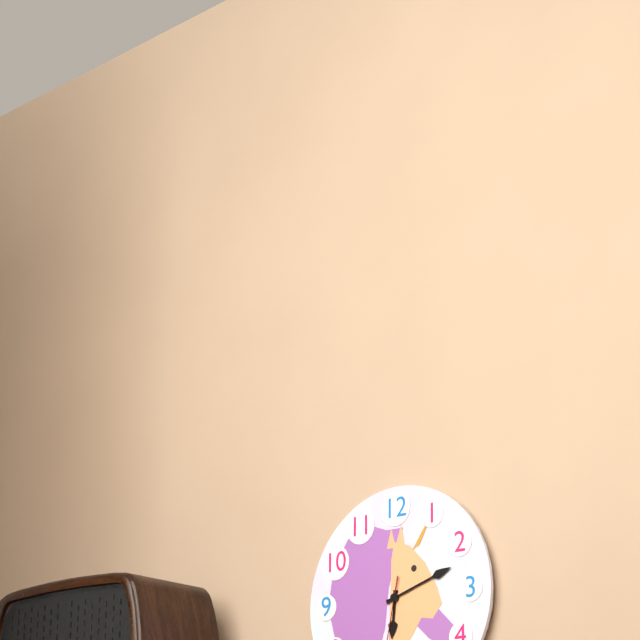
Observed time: 6h12
